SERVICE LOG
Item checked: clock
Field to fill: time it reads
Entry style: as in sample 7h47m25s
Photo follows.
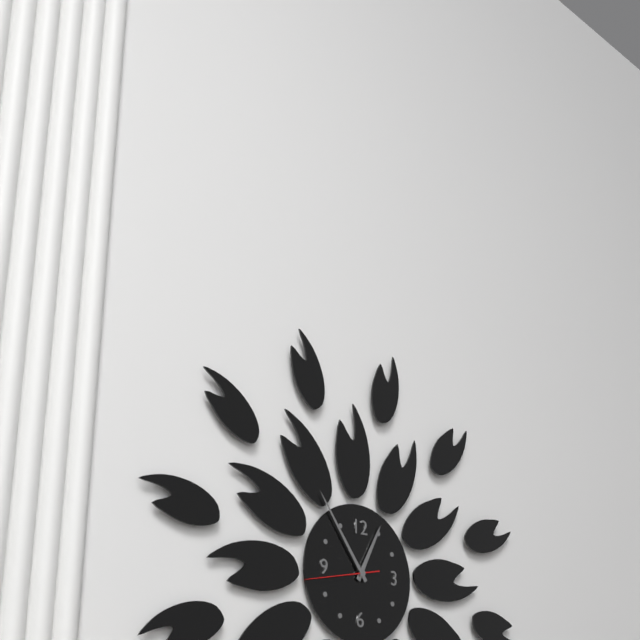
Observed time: 12h54m43s
